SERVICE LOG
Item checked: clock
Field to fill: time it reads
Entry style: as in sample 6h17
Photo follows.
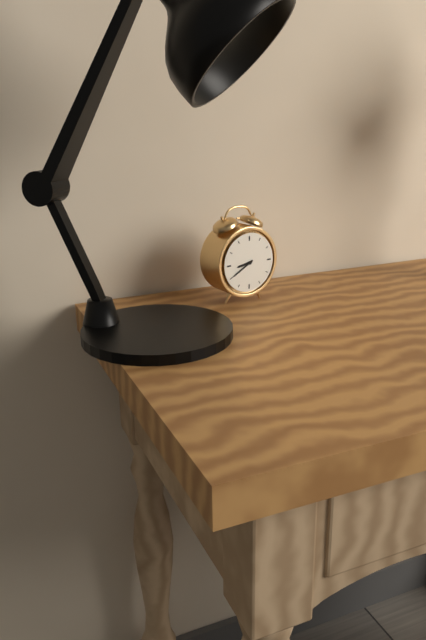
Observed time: 8h40
